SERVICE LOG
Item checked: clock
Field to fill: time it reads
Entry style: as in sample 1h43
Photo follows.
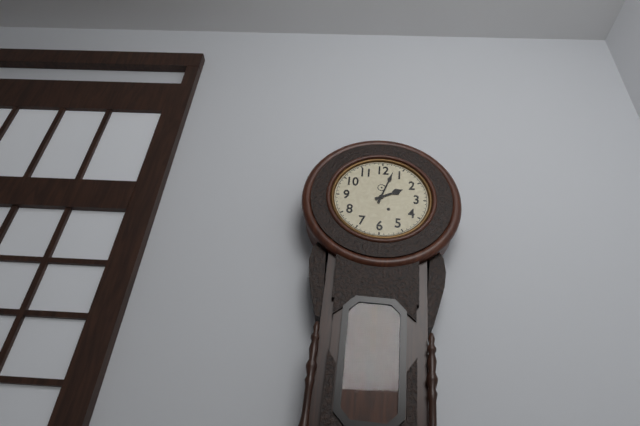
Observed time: 2h03
